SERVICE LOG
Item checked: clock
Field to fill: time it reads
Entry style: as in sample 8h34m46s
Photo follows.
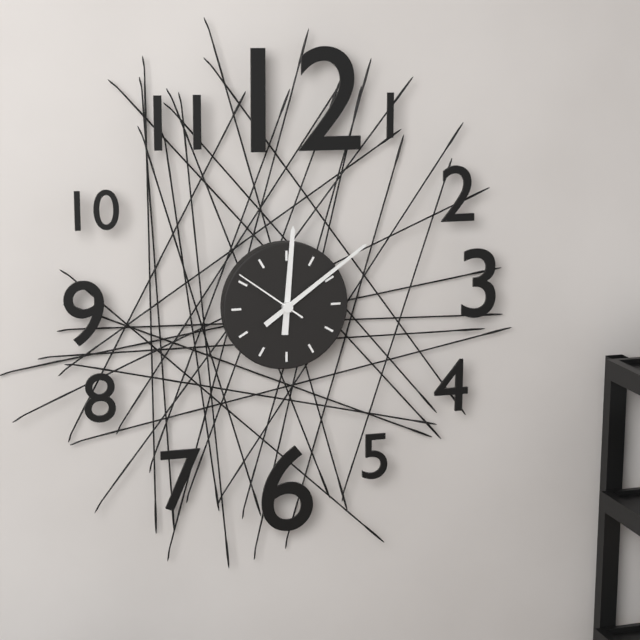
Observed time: 12h09m51s
